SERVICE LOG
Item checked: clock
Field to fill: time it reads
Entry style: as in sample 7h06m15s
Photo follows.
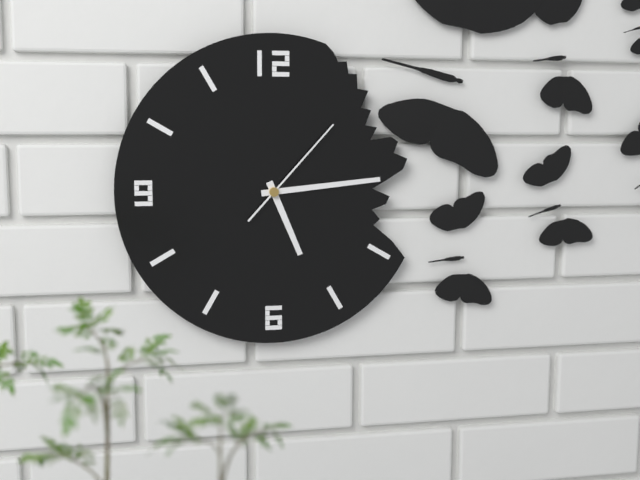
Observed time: 5h14m07s
